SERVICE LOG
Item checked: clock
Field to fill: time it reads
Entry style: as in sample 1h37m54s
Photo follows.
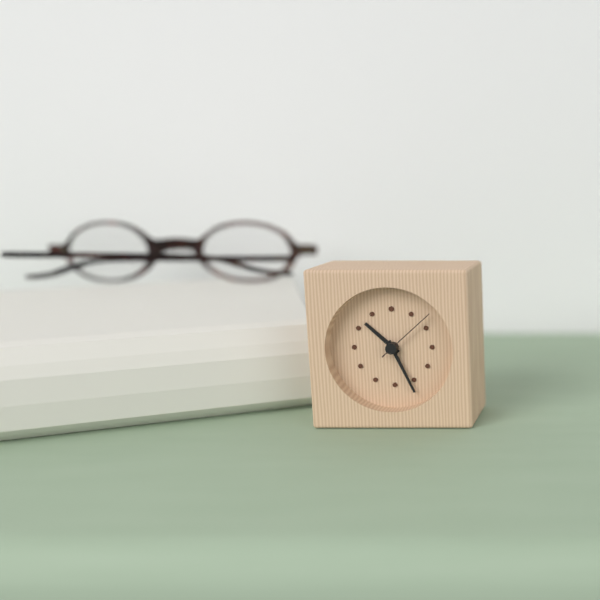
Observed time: 10h26m08s
